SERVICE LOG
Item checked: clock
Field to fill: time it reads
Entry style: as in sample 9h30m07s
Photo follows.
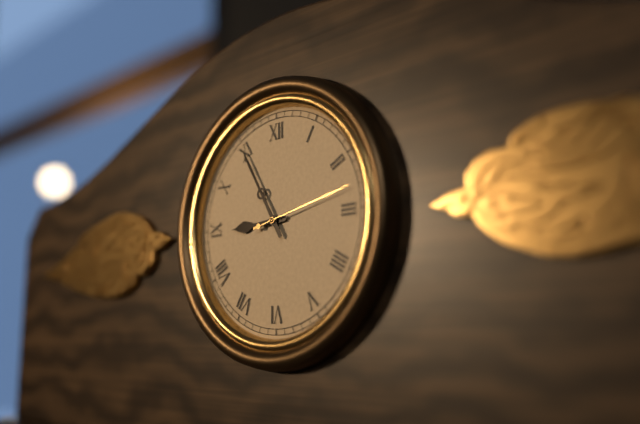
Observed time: 8h55m13s
